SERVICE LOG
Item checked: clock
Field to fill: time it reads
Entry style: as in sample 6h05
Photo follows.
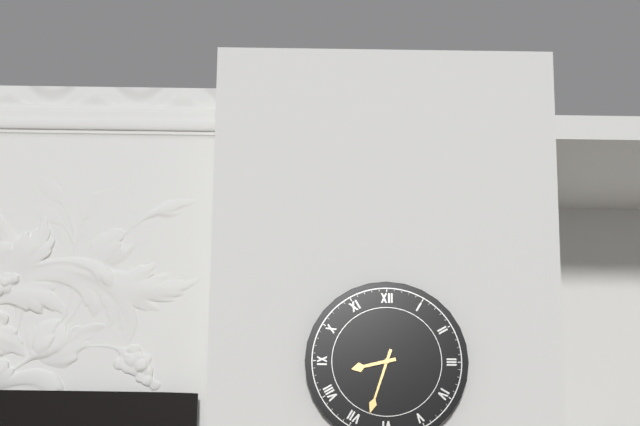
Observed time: 8h33
